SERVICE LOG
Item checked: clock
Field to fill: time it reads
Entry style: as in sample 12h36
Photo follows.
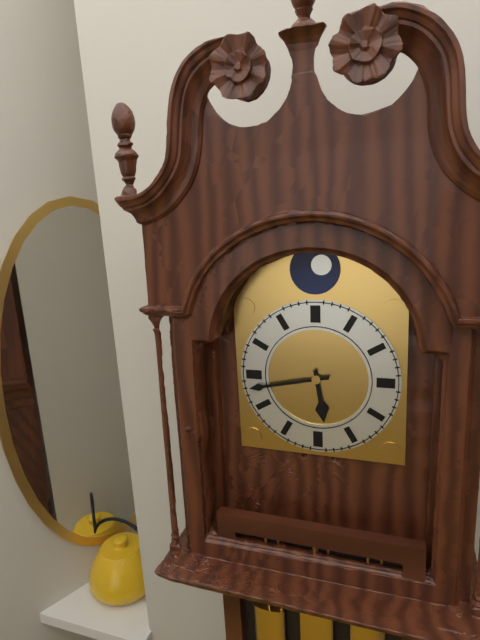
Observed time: 5h43
